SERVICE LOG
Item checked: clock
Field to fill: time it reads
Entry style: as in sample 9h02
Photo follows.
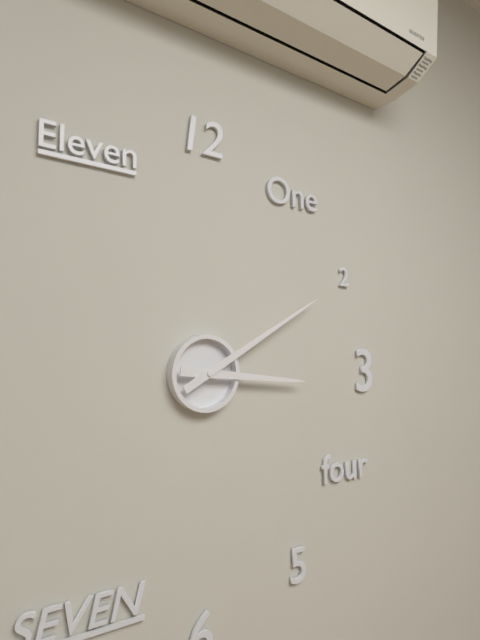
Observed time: 3h10
